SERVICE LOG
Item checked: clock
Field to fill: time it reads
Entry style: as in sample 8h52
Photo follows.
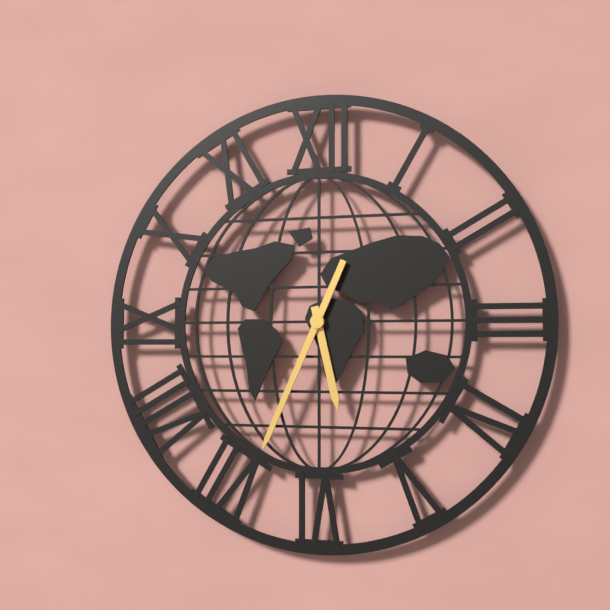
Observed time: 5h34
